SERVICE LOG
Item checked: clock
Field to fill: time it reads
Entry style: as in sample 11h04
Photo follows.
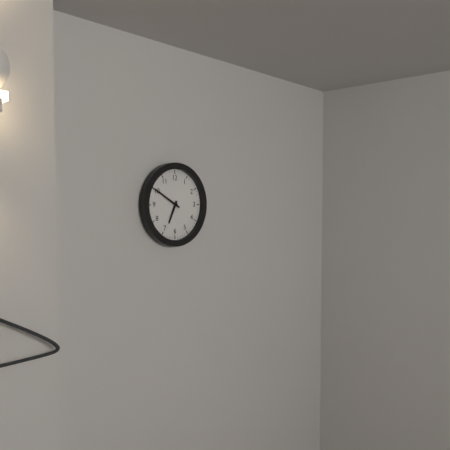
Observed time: 6h50
